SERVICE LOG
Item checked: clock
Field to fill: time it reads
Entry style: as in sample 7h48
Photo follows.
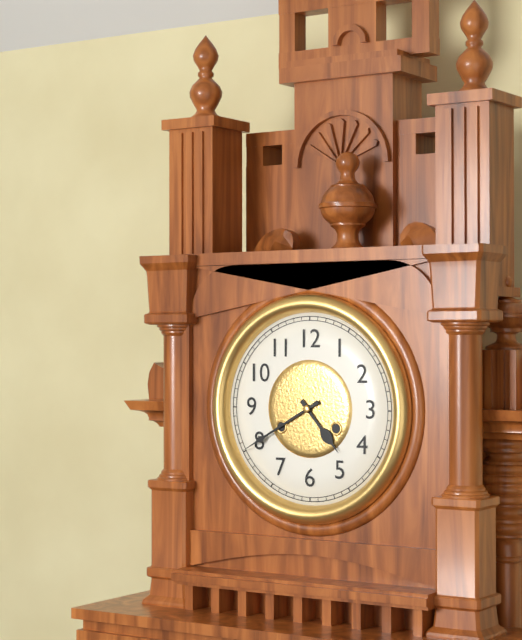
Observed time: 4h40
